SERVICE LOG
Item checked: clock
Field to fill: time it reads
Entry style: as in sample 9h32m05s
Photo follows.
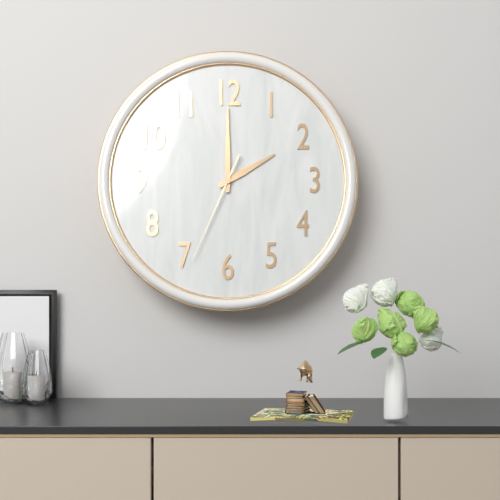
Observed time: 2h00m34s
